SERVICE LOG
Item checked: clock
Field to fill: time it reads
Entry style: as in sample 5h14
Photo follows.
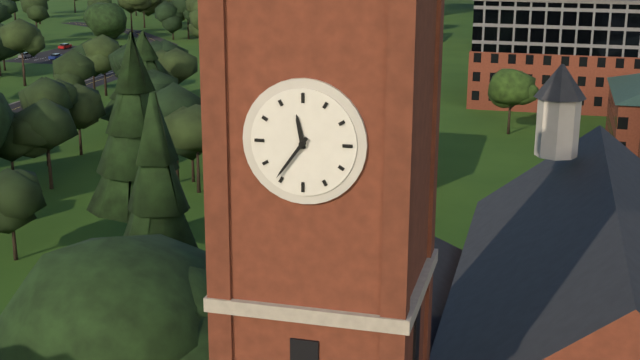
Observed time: 11h36
